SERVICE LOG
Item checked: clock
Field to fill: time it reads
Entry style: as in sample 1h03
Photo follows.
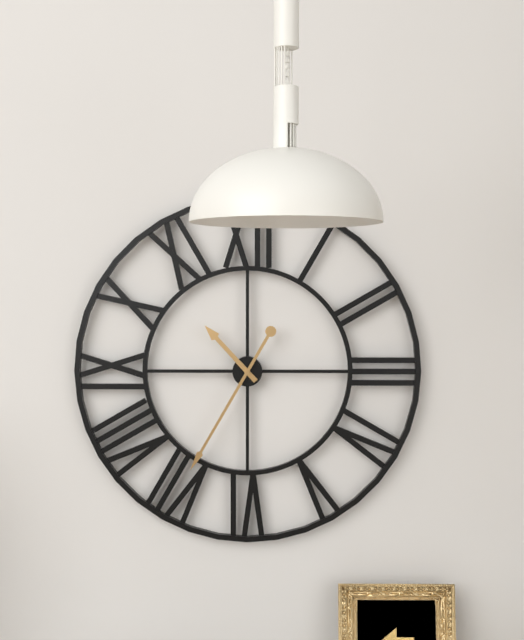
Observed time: 10h35
